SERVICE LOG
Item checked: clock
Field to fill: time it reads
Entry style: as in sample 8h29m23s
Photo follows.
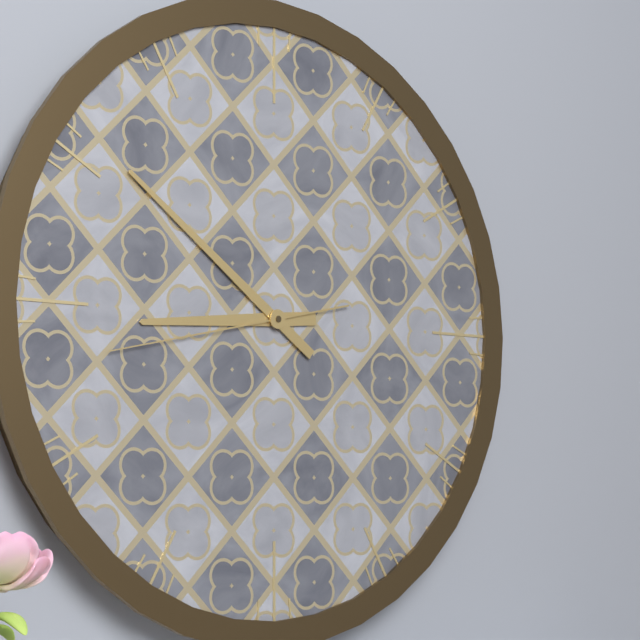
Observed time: 8h51m43s
